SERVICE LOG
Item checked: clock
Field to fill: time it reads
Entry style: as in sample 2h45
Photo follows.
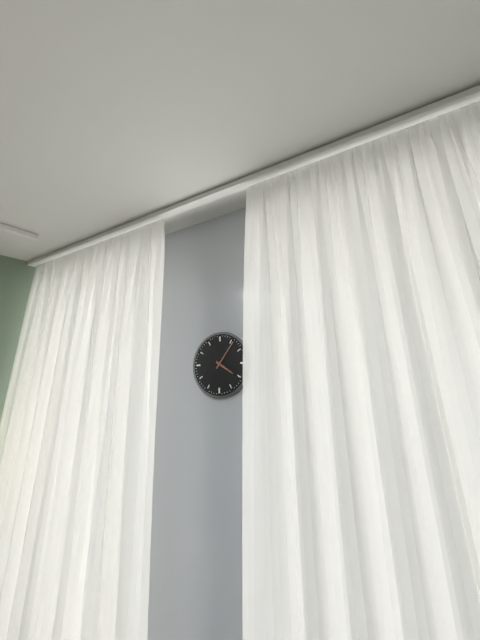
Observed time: 4h06
